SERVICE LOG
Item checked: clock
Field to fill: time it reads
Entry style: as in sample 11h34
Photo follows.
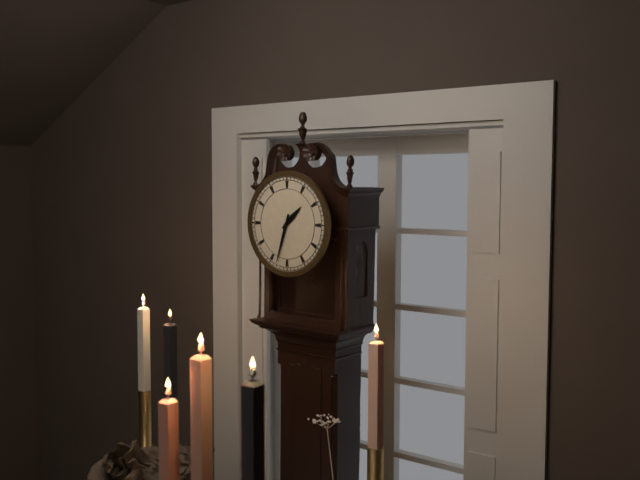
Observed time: 1h33
